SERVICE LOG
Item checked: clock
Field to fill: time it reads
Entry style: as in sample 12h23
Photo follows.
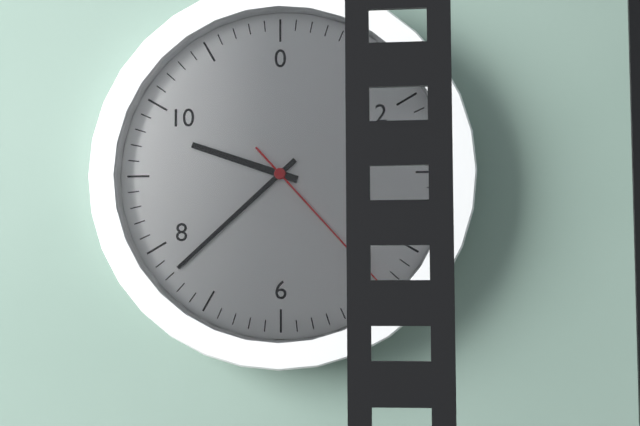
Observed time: 9h38
